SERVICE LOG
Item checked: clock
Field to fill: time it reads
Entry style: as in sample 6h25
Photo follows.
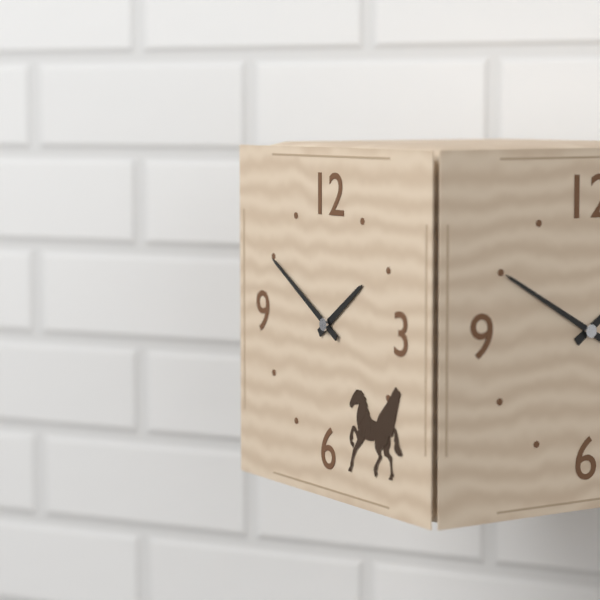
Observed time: 1h50
